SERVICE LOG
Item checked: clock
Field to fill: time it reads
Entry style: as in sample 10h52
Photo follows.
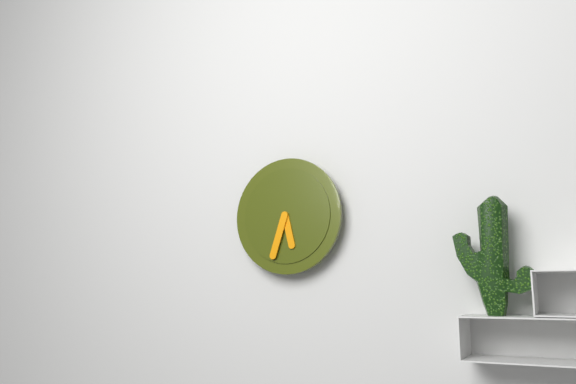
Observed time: 5h33
